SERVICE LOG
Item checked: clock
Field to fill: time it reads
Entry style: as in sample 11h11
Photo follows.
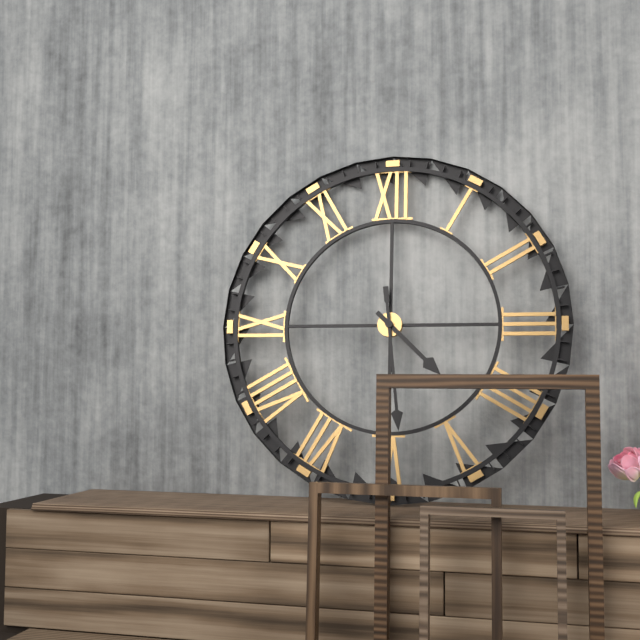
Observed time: 4h29
